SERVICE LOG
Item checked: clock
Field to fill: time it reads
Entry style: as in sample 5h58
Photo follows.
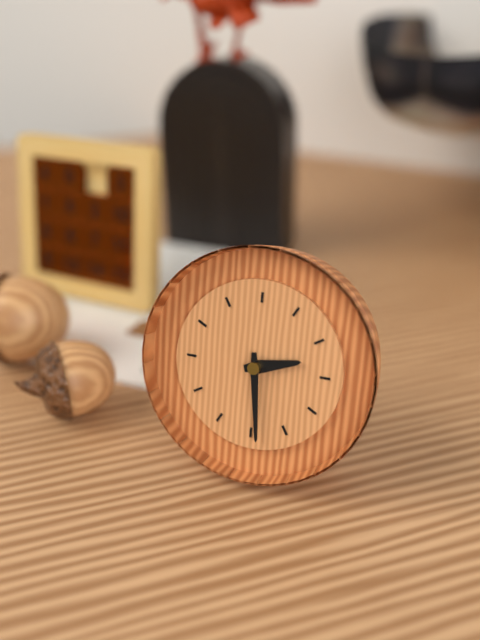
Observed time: 2h29
